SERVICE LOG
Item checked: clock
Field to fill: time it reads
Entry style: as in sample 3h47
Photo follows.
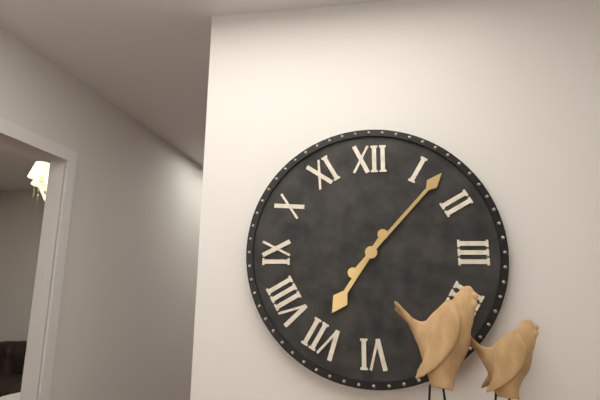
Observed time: 7h07
